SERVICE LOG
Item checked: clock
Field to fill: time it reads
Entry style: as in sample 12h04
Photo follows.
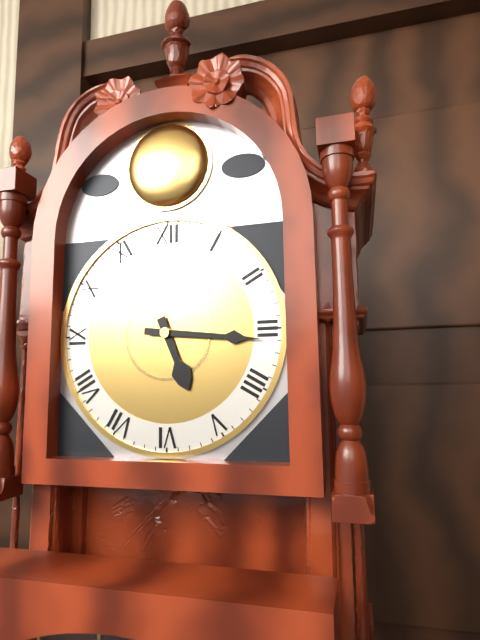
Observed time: 5h16
